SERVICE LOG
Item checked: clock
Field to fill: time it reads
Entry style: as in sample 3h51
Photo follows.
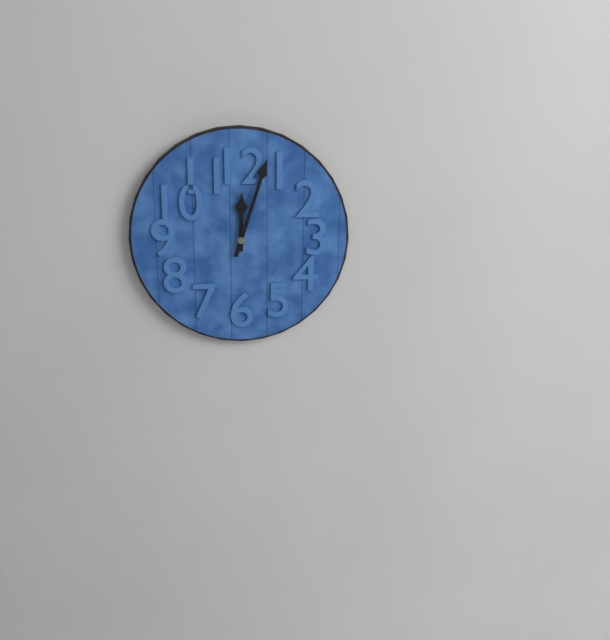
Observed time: 12h03
